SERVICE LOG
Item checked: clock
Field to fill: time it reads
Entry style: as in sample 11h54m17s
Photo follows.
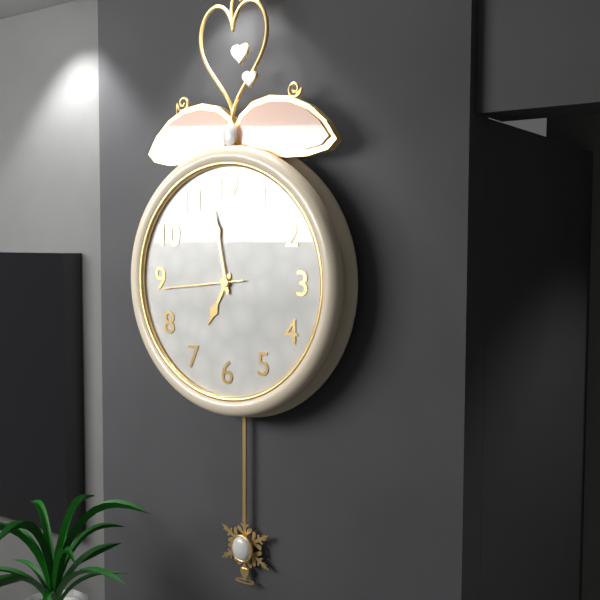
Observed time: 6h58m44s
